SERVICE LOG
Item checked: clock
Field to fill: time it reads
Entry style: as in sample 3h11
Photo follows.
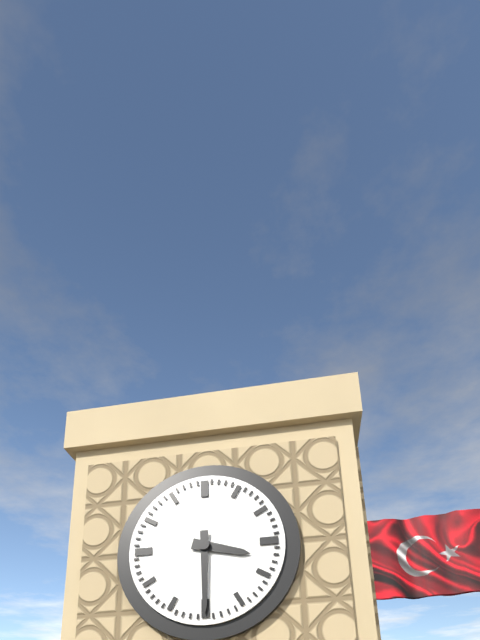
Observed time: 3h30
